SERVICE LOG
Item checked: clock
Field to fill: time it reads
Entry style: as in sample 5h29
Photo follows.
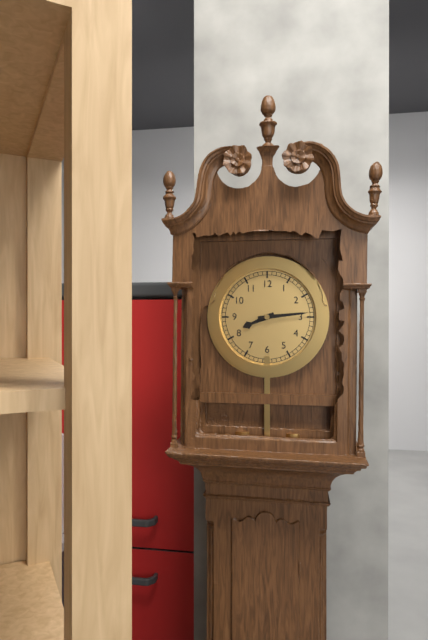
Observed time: 8h14
